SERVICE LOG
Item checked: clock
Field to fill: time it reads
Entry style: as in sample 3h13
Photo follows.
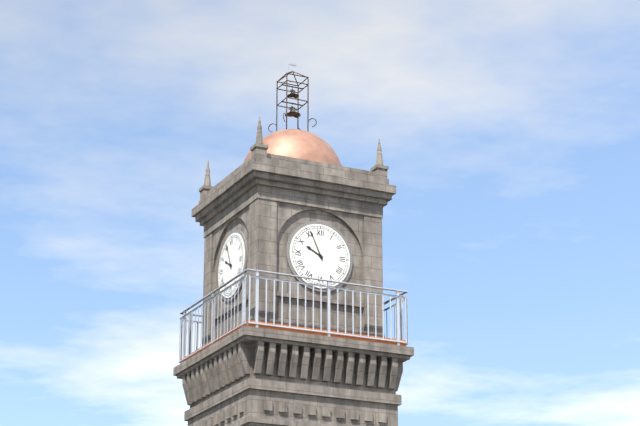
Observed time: 9h56
